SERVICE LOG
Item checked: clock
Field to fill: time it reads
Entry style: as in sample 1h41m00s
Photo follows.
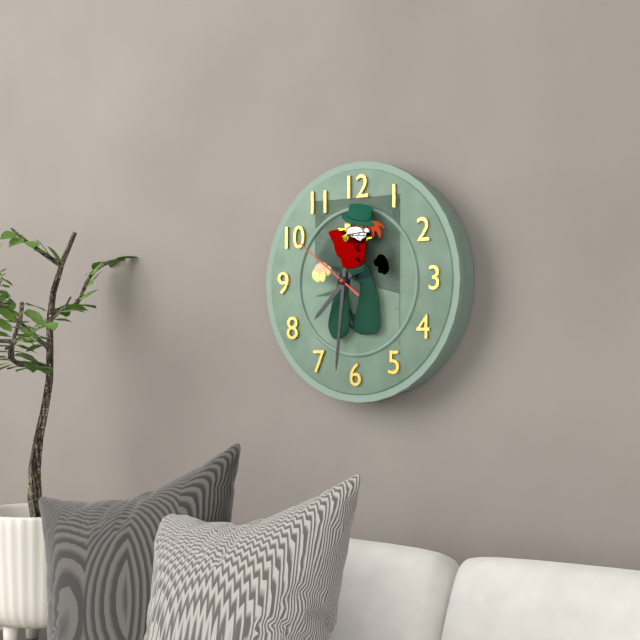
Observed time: 7h31m51s
